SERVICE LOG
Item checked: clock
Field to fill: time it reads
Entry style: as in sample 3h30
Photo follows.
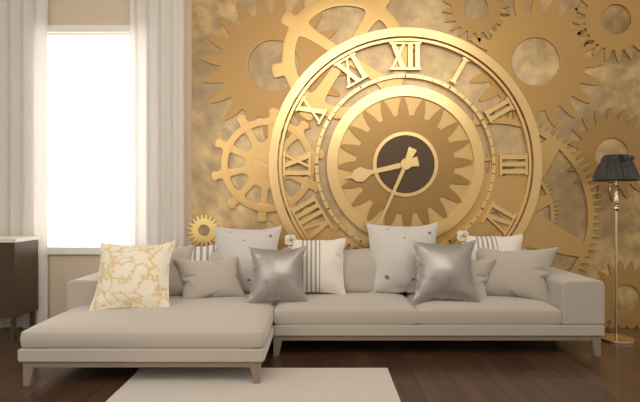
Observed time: 8h34
